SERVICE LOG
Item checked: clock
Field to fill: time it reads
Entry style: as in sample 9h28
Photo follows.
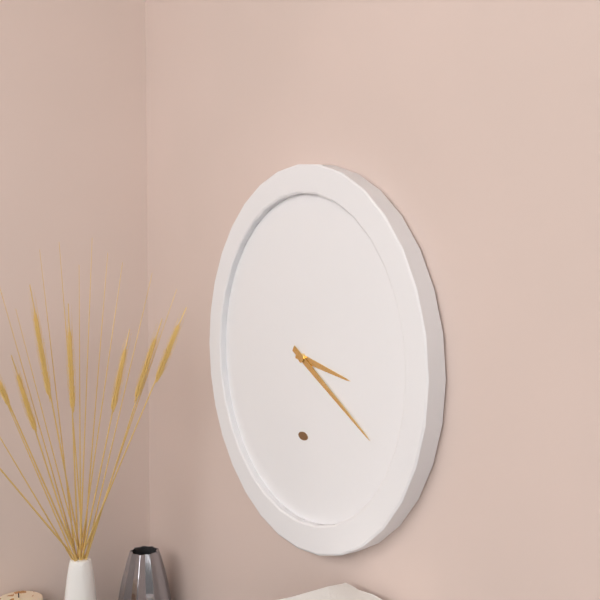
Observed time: 3h20
